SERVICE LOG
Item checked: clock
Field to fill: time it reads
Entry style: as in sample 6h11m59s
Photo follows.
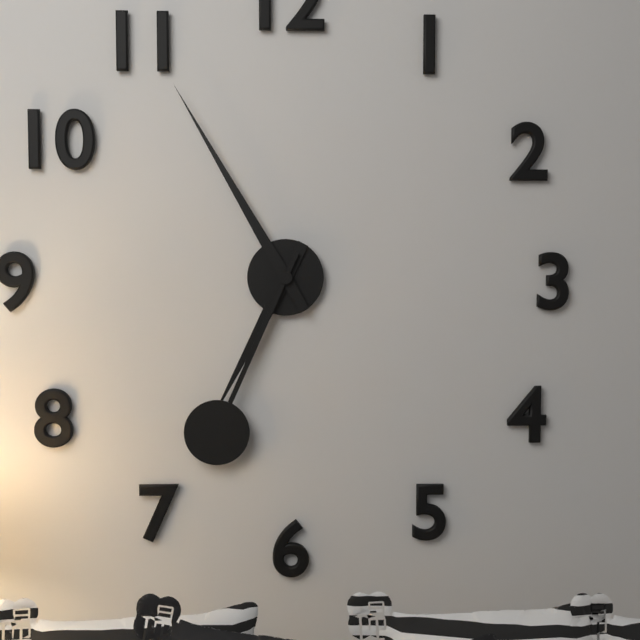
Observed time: 6h55m34s
